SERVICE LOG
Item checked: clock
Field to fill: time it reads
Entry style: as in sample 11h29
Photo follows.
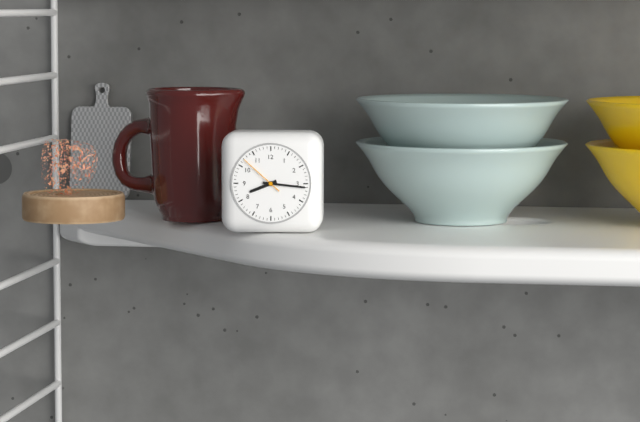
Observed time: 8h16
